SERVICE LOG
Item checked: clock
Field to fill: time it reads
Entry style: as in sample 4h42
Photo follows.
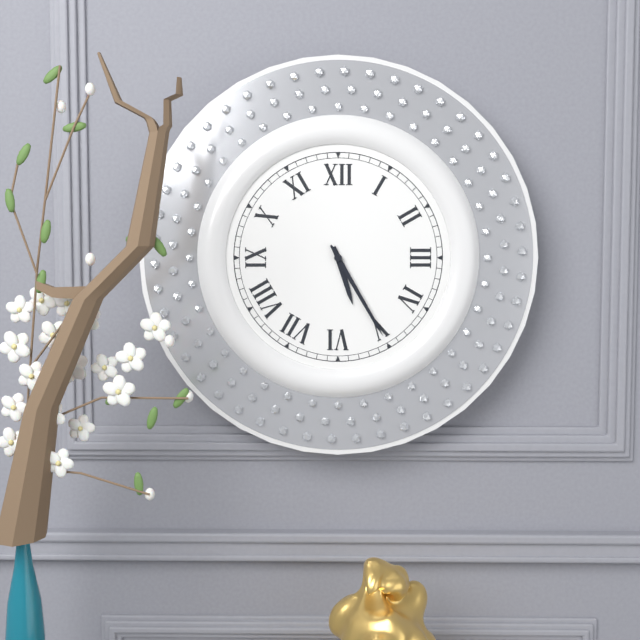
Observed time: 5h25
